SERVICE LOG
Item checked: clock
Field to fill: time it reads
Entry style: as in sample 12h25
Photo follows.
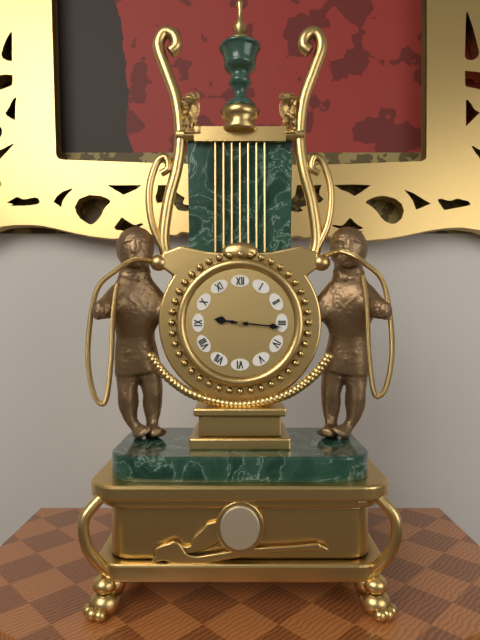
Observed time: 9h16
